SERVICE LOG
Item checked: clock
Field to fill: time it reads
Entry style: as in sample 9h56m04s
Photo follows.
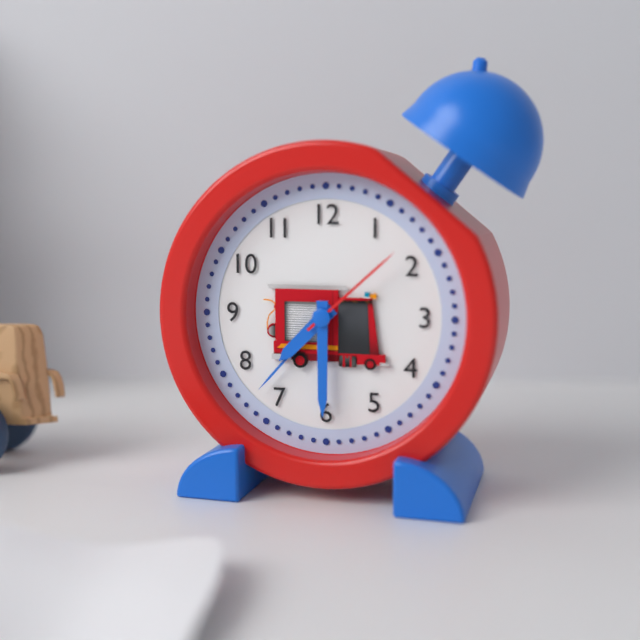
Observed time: 7h30m08s
